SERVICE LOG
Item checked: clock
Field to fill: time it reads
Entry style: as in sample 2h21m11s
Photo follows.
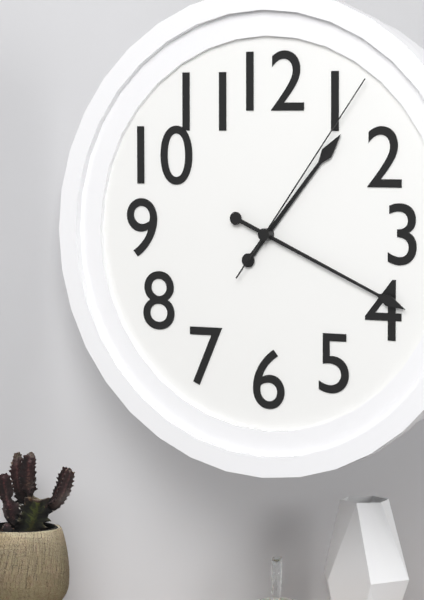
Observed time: 1h19m06s
